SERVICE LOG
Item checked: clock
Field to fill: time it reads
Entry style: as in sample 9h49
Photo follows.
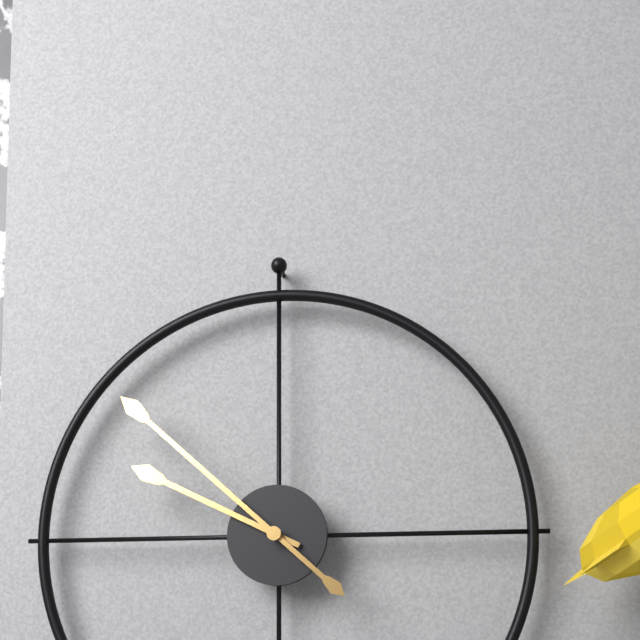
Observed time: 9h52
